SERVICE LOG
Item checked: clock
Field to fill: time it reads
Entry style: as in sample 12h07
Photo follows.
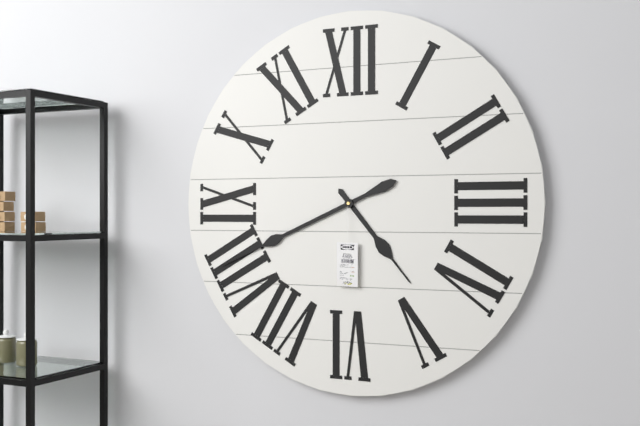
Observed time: 4h41
